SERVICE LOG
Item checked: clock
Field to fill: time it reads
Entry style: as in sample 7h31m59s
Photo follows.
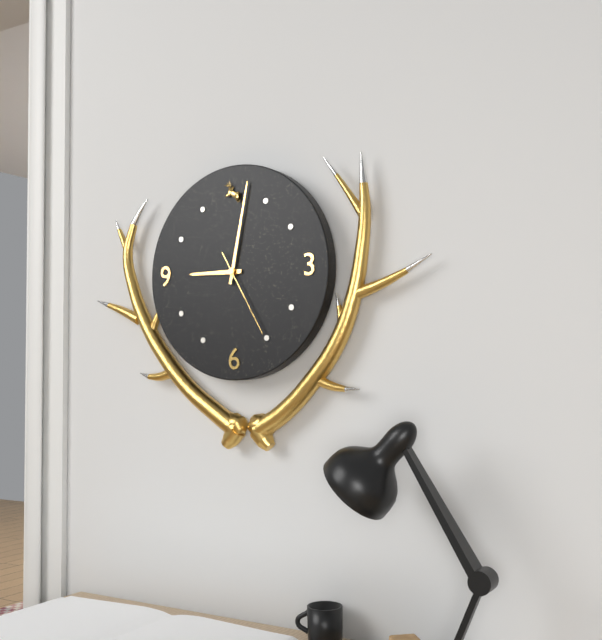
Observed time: 9h02m25s
